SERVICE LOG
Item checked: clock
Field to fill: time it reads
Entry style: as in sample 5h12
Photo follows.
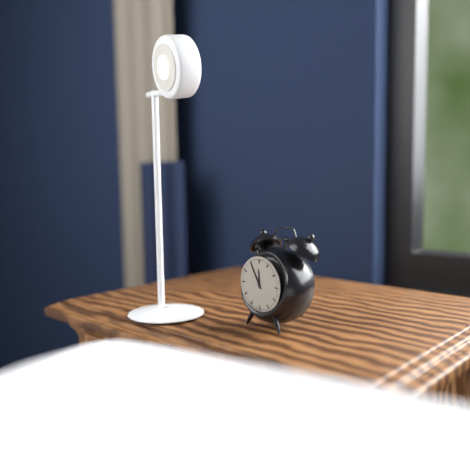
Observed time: 11h55
